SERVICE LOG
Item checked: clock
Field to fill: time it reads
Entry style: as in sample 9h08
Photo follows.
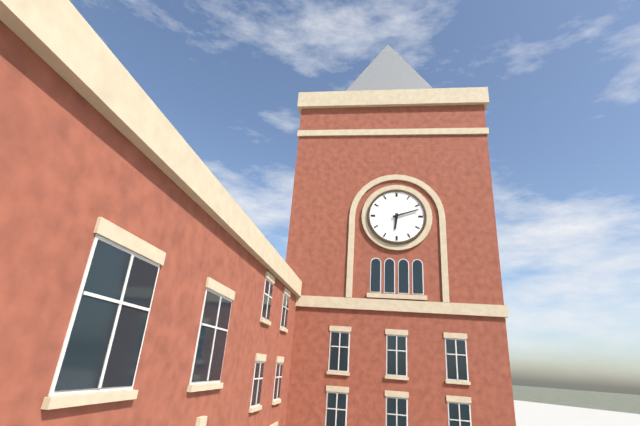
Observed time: 6h12
